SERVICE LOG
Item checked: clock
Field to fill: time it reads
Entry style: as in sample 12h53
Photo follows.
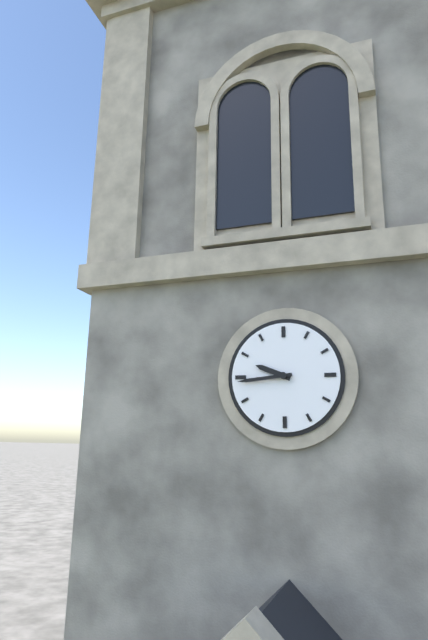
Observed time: 9h44
